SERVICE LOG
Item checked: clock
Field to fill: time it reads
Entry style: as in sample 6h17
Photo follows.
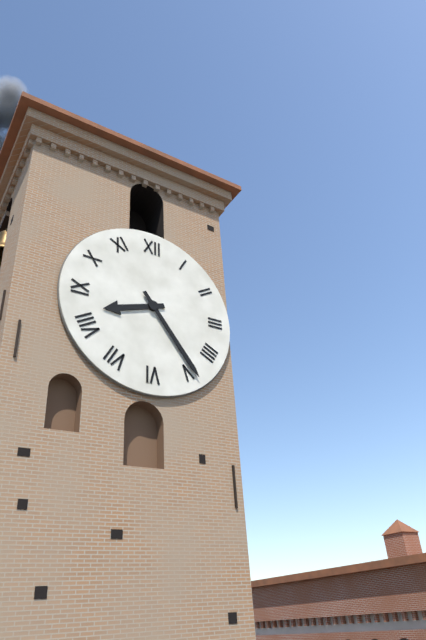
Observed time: 8h24
